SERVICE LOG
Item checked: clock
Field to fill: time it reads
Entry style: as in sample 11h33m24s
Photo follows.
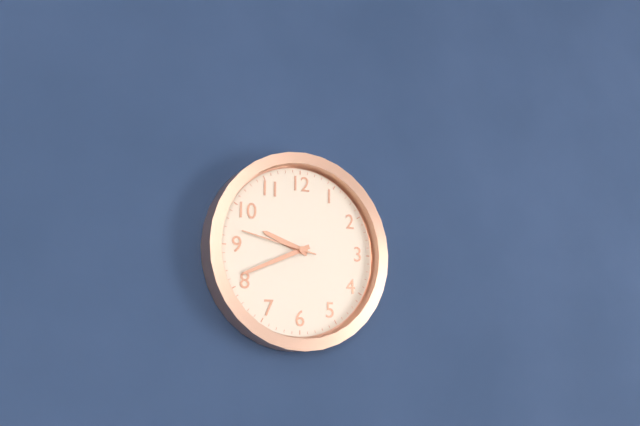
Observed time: 9h41m47s
